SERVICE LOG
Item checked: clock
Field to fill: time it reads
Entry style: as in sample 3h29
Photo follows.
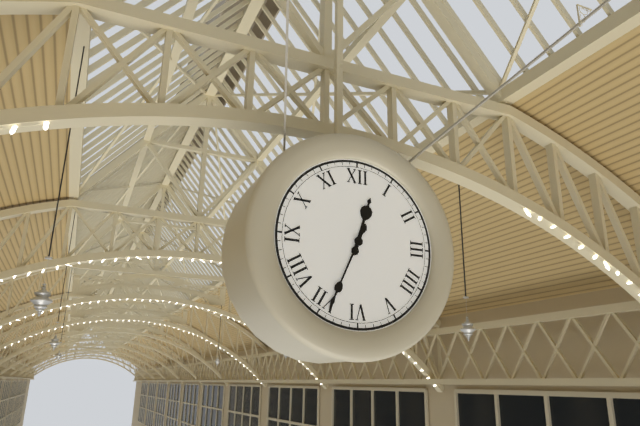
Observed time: 12h34
